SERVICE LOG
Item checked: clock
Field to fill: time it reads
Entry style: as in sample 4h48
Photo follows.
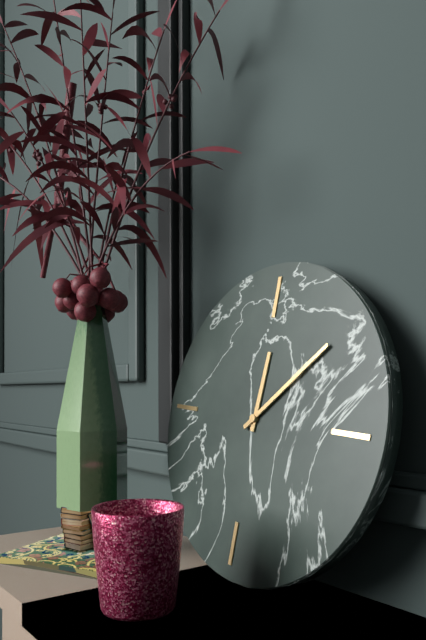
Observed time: 12h08
